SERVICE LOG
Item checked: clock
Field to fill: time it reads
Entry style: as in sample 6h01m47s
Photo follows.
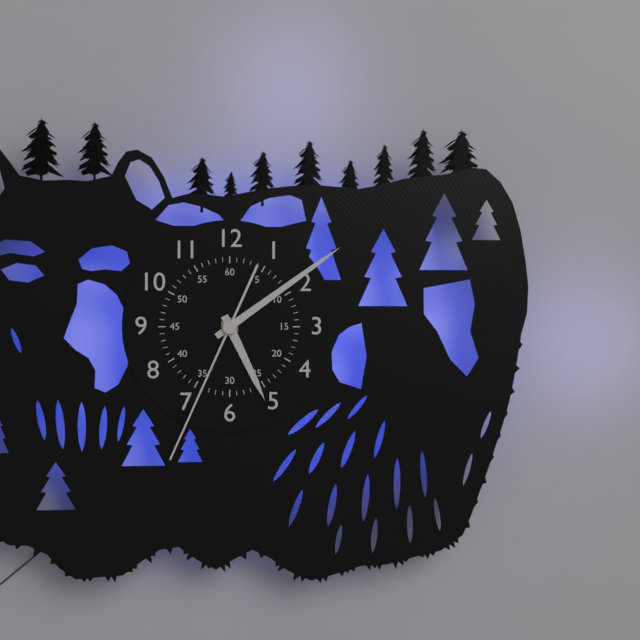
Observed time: 5h09m34s
